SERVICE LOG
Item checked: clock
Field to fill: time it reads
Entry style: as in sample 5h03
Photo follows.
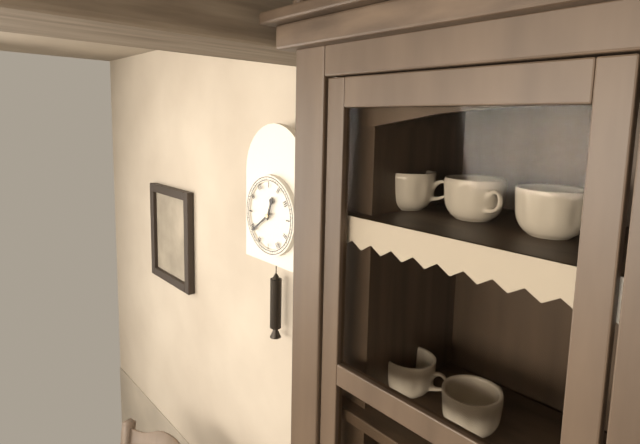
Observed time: 12h39
